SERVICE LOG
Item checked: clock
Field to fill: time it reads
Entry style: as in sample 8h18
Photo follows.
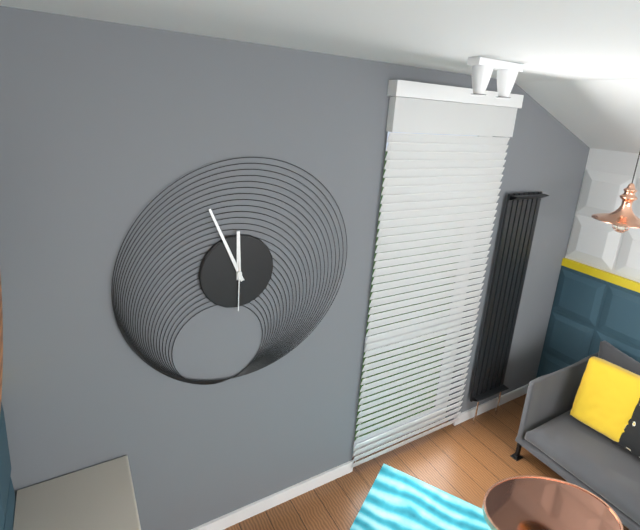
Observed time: 11h56
